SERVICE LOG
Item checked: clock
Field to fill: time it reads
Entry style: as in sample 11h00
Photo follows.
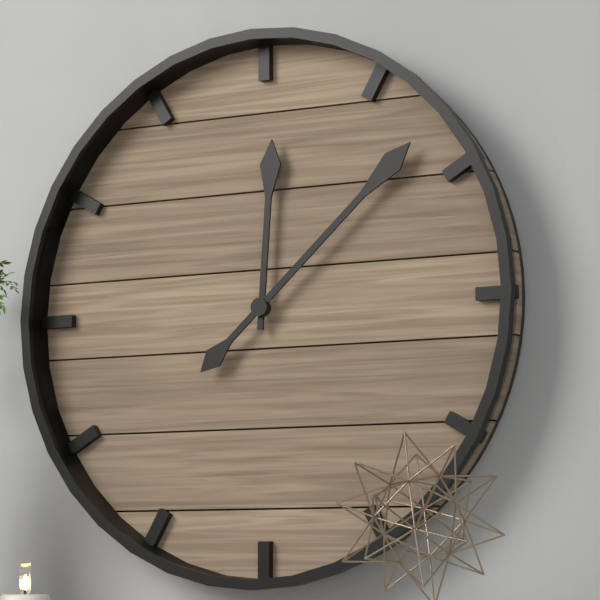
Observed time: 12h08
